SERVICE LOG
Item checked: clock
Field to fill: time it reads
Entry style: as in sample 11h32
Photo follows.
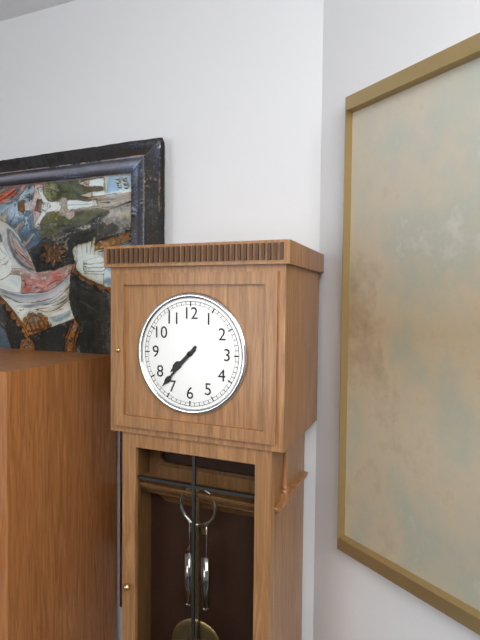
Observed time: 7h37
